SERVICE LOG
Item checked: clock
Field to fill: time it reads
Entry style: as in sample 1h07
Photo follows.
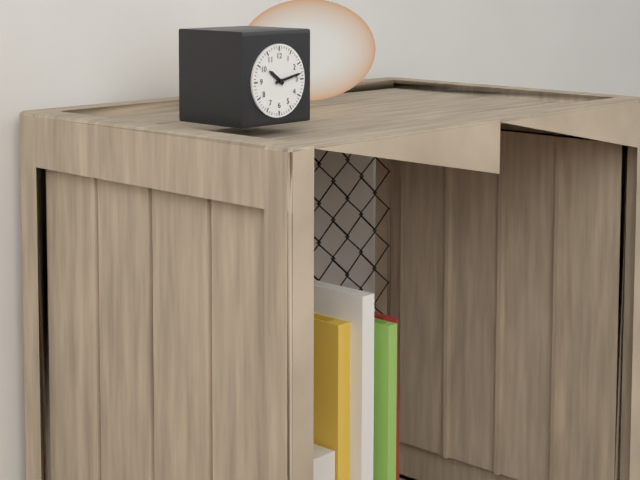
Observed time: 10h13
